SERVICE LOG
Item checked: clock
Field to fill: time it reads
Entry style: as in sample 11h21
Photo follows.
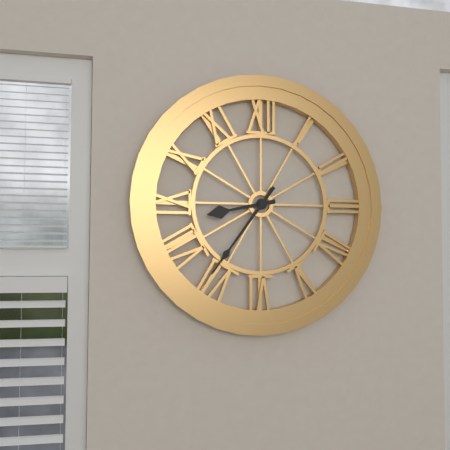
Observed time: 8h36
